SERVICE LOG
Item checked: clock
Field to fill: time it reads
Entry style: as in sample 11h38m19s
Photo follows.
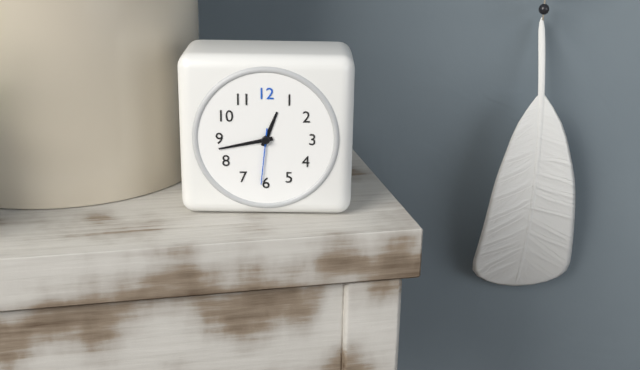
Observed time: 12h43m31s
